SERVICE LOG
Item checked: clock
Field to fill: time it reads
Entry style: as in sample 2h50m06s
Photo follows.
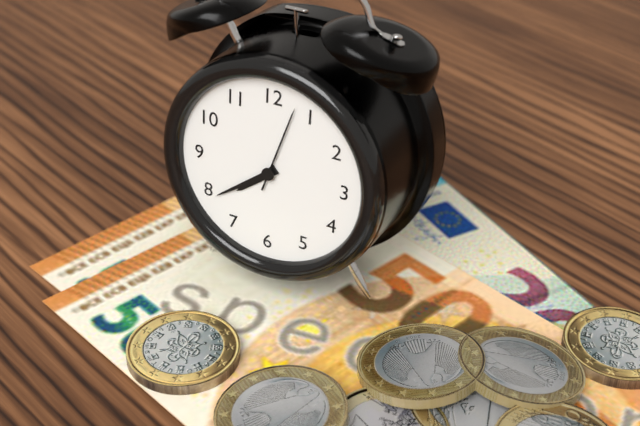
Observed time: 7h39m03s
